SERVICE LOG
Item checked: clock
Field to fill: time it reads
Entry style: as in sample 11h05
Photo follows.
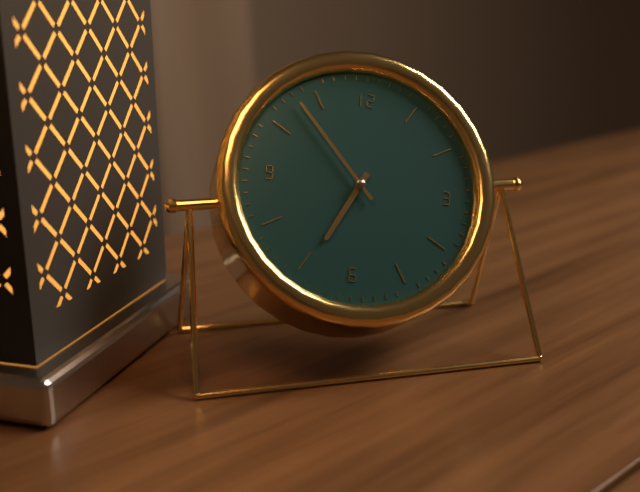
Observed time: 6h53
